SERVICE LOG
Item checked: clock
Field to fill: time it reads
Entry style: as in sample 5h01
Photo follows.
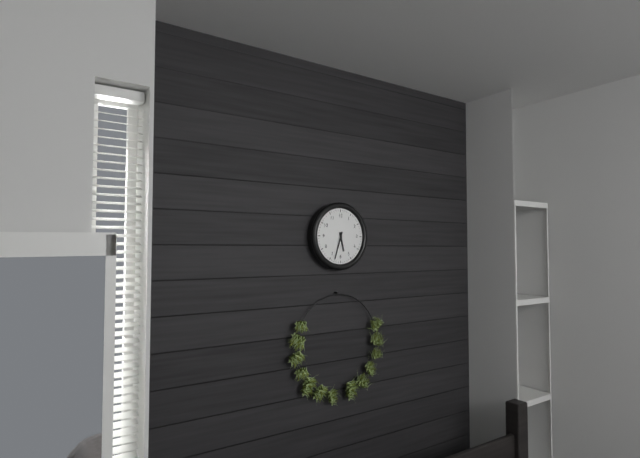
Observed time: 5h33
